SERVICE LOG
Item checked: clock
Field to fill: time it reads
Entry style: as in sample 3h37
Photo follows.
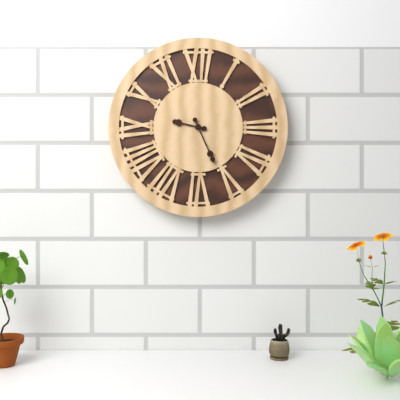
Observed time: 9h26
